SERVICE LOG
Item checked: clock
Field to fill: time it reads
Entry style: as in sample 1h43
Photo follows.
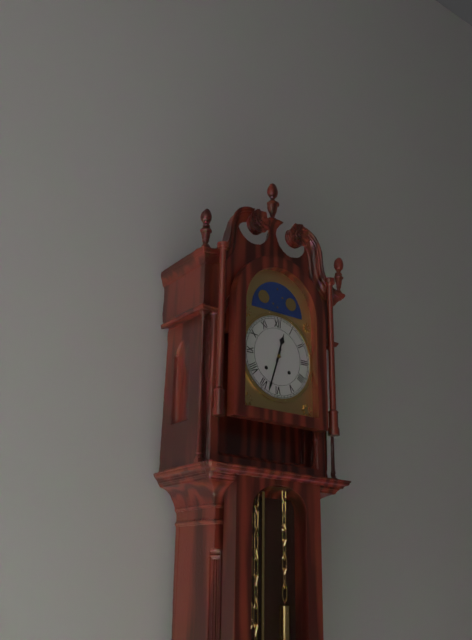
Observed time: 12h33
